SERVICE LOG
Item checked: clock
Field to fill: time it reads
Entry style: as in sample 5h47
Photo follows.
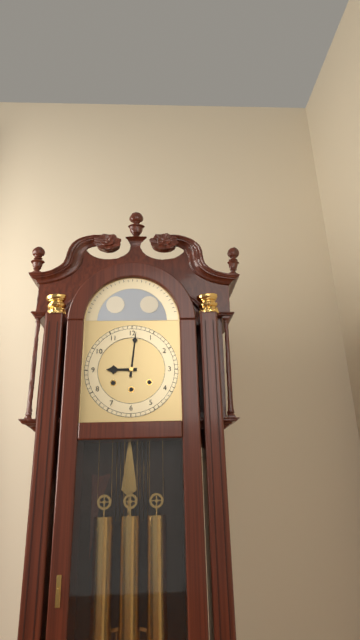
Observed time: 9h01
